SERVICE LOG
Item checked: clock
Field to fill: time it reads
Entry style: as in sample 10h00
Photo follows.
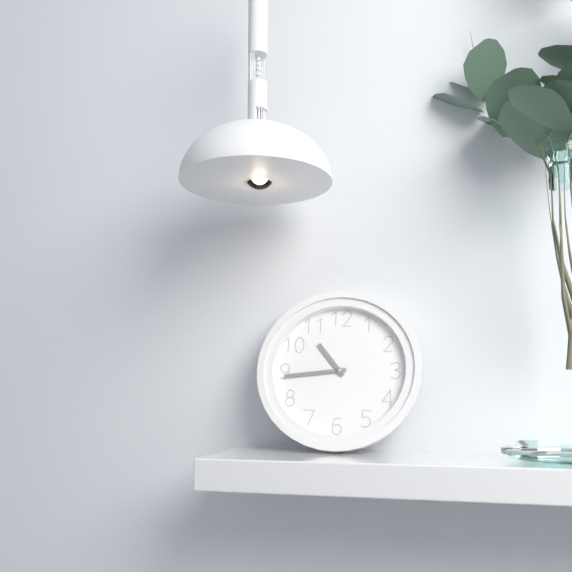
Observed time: 10h44
